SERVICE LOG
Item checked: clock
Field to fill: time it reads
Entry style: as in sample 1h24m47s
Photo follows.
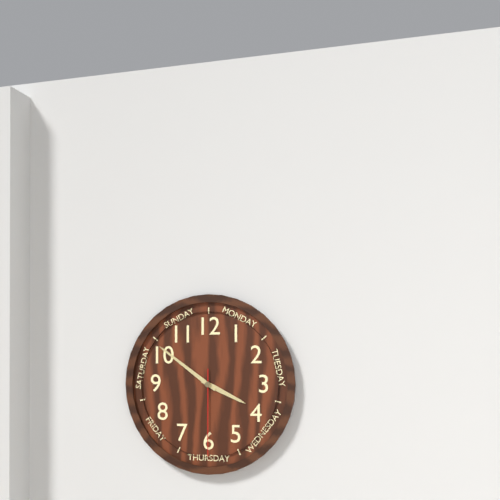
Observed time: 3h51m30s
